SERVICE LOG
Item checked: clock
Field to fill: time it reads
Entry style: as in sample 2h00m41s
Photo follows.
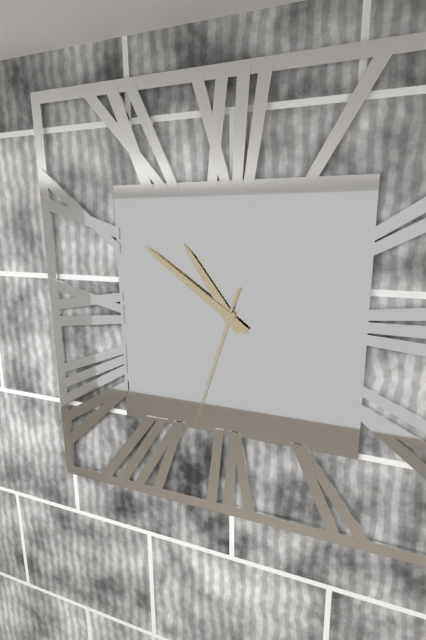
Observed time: 10h51m33s
